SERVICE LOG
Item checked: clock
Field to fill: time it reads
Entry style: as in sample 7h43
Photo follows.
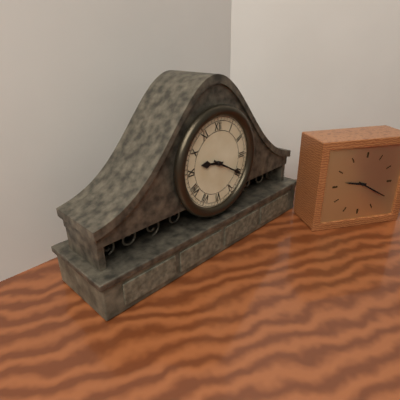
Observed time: 9h20
